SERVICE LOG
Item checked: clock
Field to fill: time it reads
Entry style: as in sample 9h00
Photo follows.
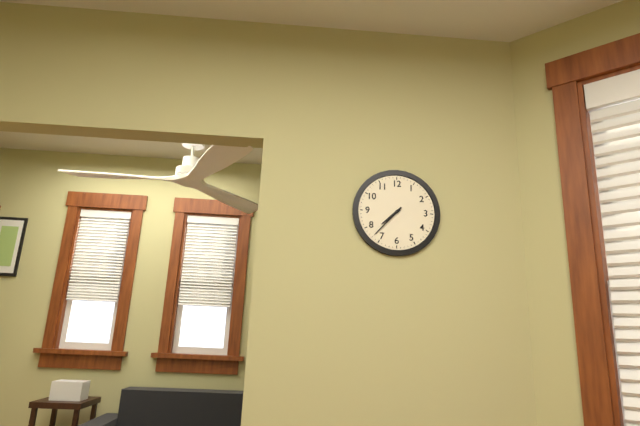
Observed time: 7h37
